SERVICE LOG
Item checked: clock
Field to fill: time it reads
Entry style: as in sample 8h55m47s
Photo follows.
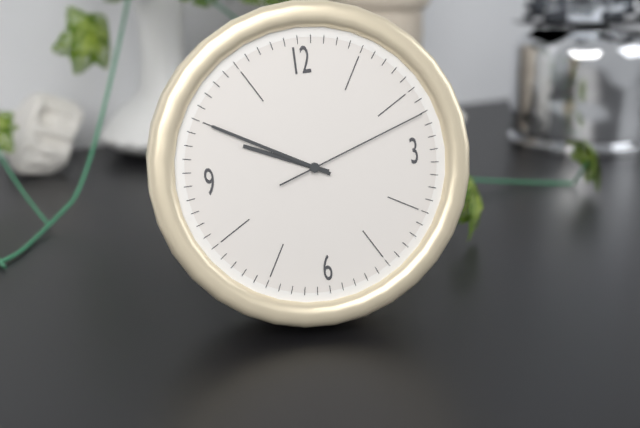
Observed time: 9h50m12s
